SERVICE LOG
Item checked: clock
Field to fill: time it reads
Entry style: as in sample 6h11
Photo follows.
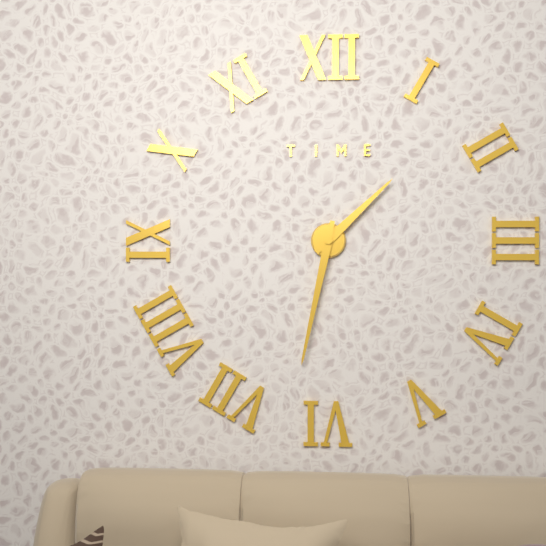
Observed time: 1h32
